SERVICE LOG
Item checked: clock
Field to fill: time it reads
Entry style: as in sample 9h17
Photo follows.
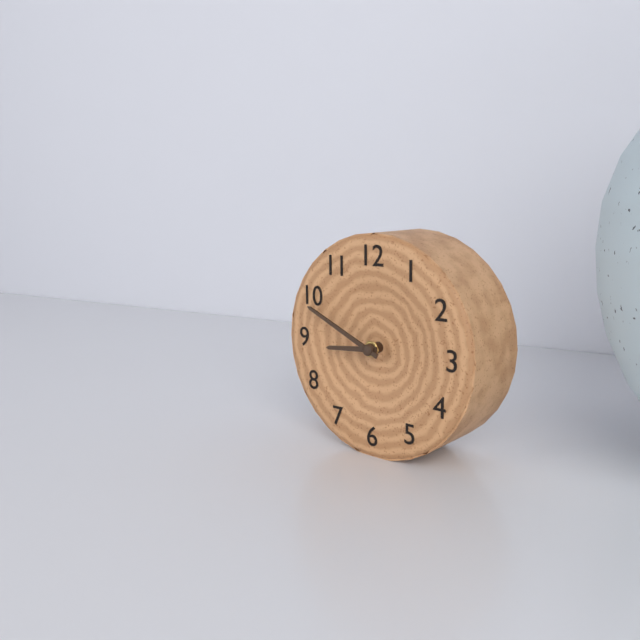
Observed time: 8h49
